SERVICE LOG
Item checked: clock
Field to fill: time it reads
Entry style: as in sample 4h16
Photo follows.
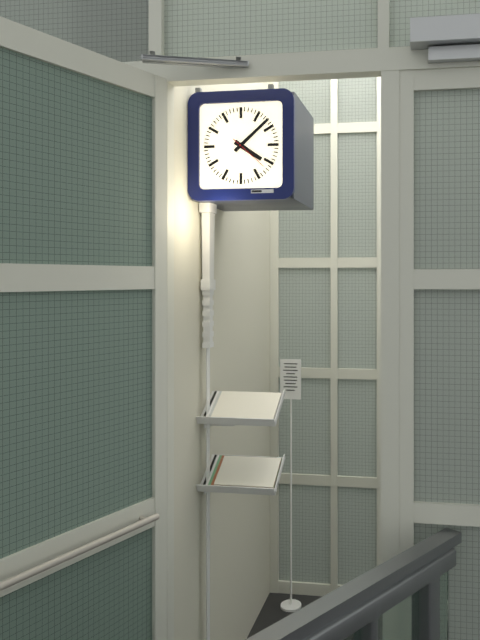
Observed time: 4h08
